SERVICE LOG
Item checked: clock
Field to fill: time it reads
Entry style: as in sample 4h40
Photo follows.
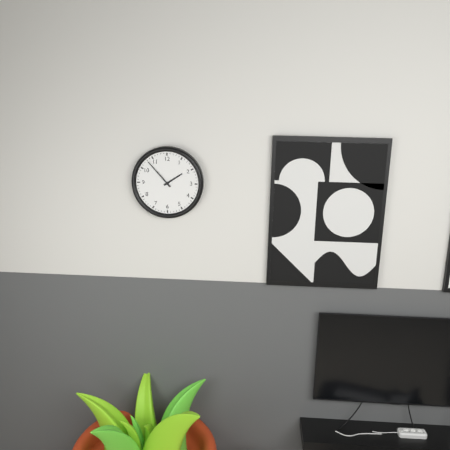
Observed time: 1h53
